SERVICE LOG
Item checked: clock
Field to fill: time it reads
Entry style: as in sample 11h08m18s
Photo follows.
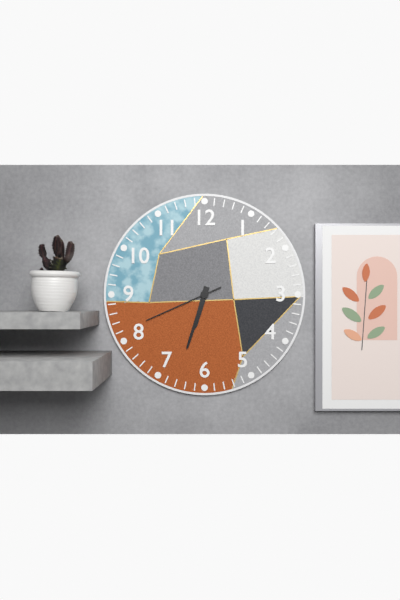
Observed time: 6h33m41s
